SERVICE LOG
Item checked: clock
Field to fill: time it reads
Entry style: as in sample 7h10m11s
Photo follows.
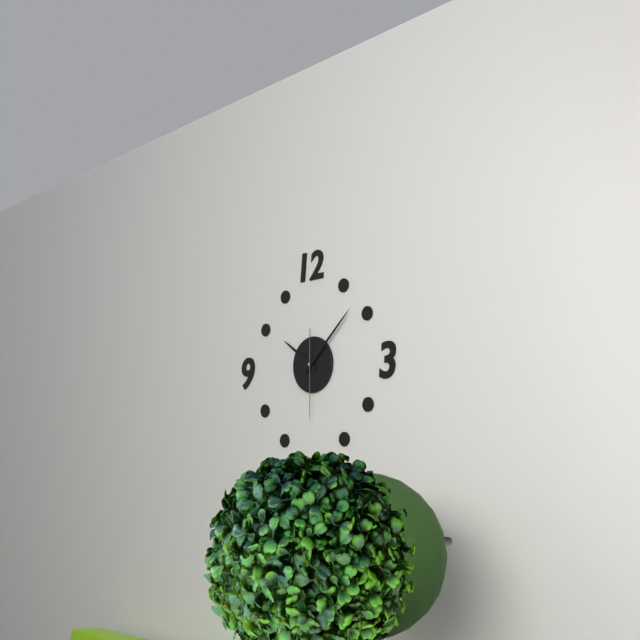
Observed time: 10h08m30s
